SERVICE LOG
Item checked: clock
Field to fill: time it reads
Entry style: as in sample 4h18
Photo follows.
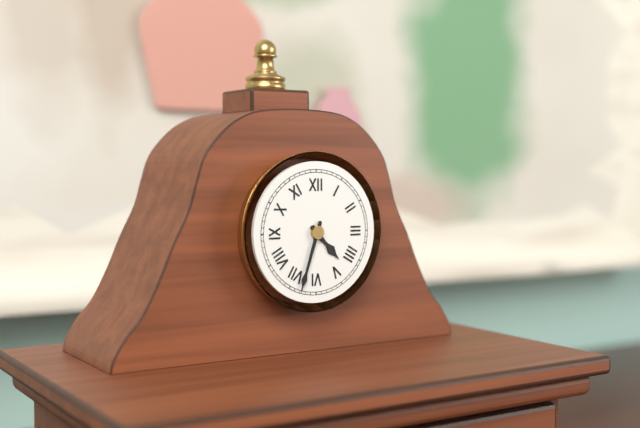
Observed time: 4h33
